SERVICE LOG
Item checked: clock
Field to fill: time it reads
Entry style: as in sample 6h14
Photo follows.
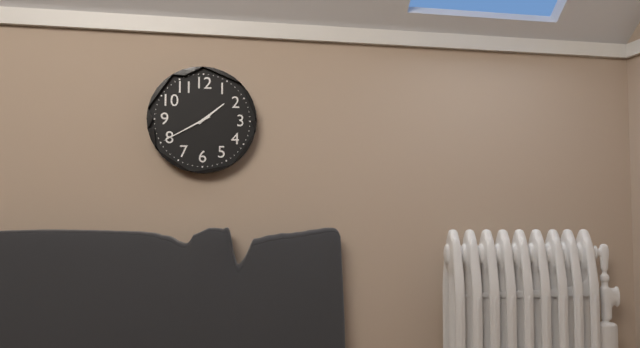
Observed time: 1h40
